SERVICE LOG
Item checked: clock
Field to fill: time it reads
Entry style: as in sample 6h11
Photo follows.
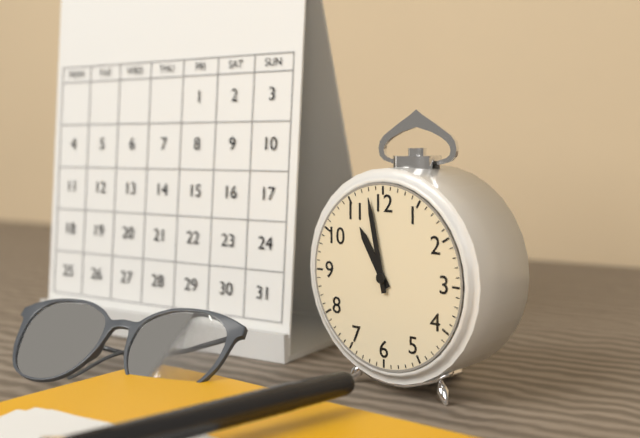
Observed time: 10h58
